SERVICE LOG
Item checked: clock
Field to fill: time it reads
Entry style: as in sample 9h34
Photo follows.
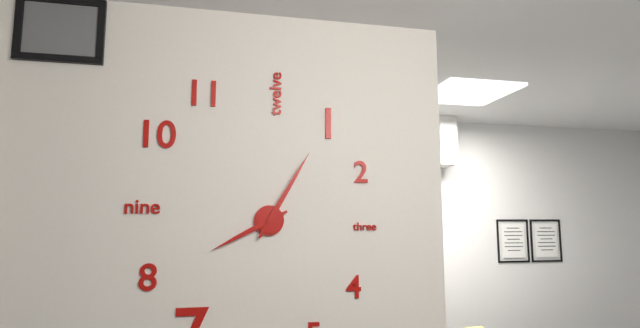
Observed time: 8h05
